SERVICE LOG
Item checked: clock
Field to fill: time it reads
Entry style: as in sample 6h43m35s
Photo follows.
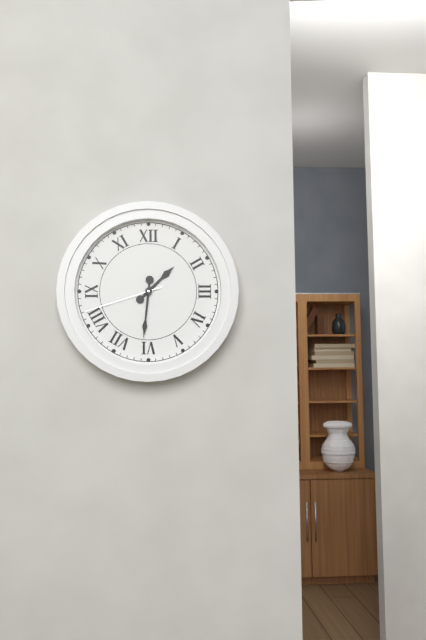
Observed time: 1h31m42s
